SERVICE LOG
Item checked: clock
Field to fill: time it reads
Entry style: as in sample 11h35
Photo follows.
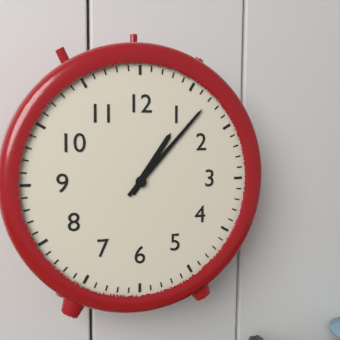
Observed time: 1h07
